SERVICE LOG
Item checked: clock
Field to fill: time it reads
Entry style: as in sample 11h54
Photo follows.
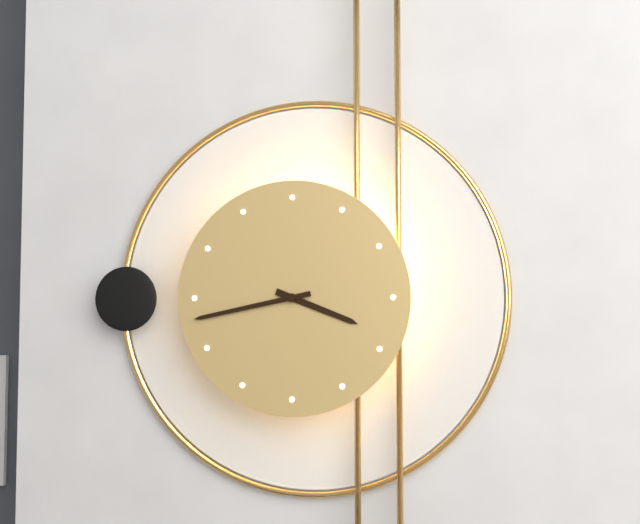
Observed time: 3h43
